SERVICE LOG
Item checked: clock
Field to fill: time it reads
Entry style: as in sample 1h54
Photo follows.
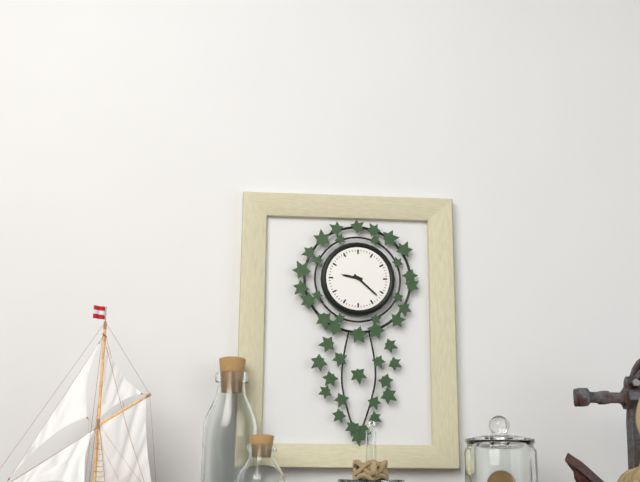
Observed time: 9h22
